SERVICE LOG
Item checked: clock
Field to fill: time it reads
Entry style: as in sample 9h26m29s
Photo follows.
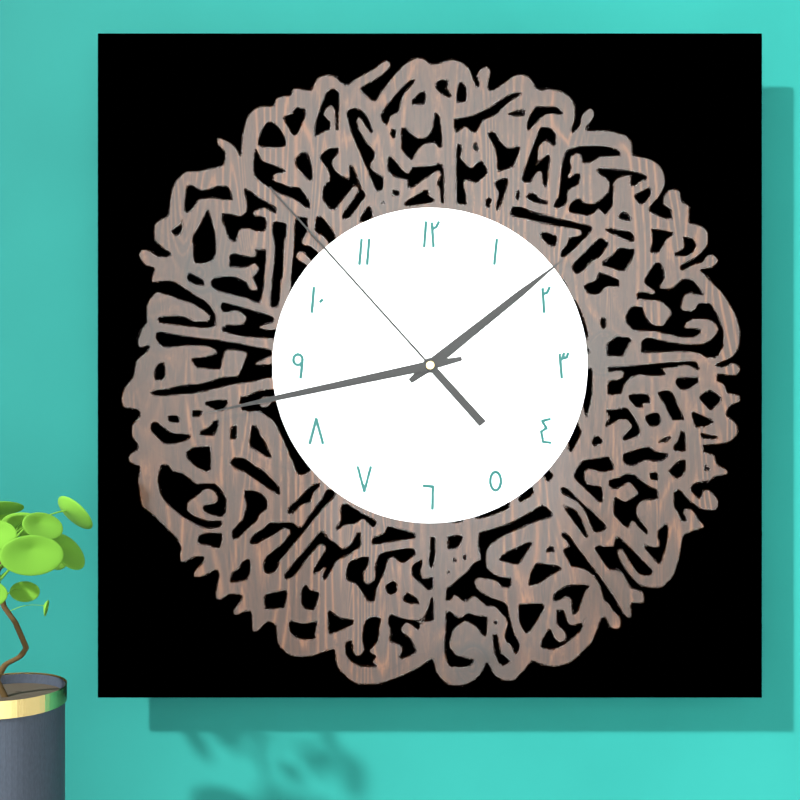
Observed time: 1h43m53s
